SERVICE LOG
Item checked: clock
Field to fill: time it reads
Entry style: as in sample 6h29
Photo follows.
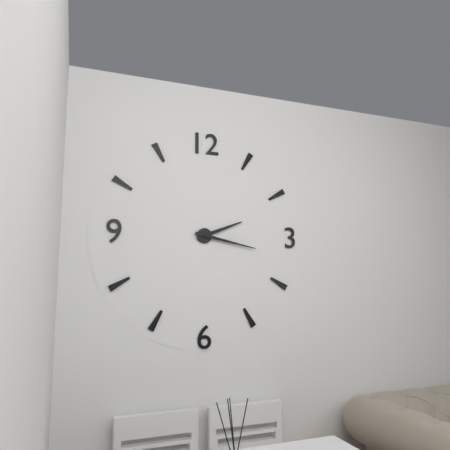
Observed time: 2h17
